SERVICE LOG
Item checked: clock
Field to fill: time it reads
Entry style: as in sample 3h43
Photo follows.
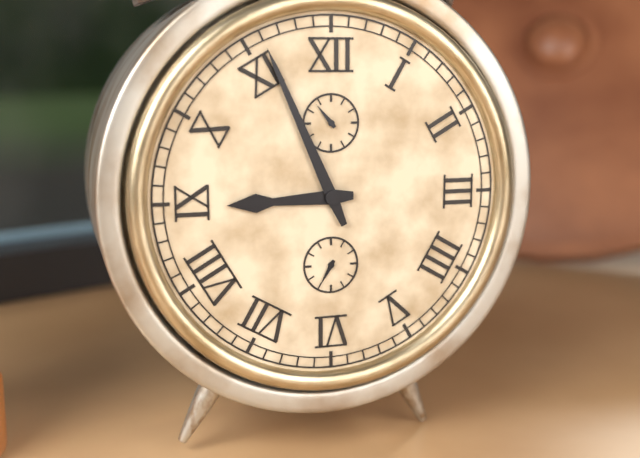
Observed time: 8h56
